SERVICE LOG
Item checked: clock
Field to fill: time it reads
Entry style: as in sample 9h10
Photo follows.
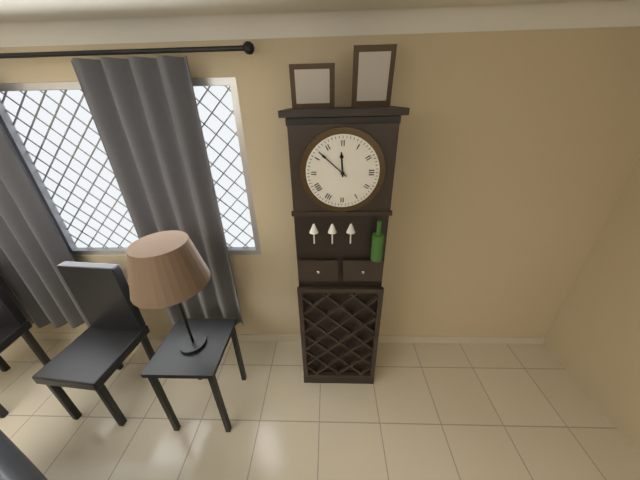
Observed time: 11h52
